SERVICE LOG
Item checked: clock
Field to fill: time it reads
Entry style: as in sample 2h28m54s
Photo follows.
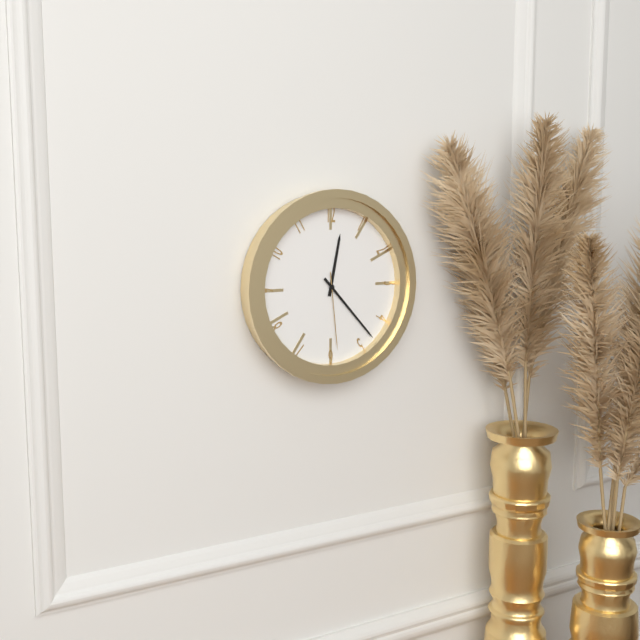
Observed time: 12h23m29s
